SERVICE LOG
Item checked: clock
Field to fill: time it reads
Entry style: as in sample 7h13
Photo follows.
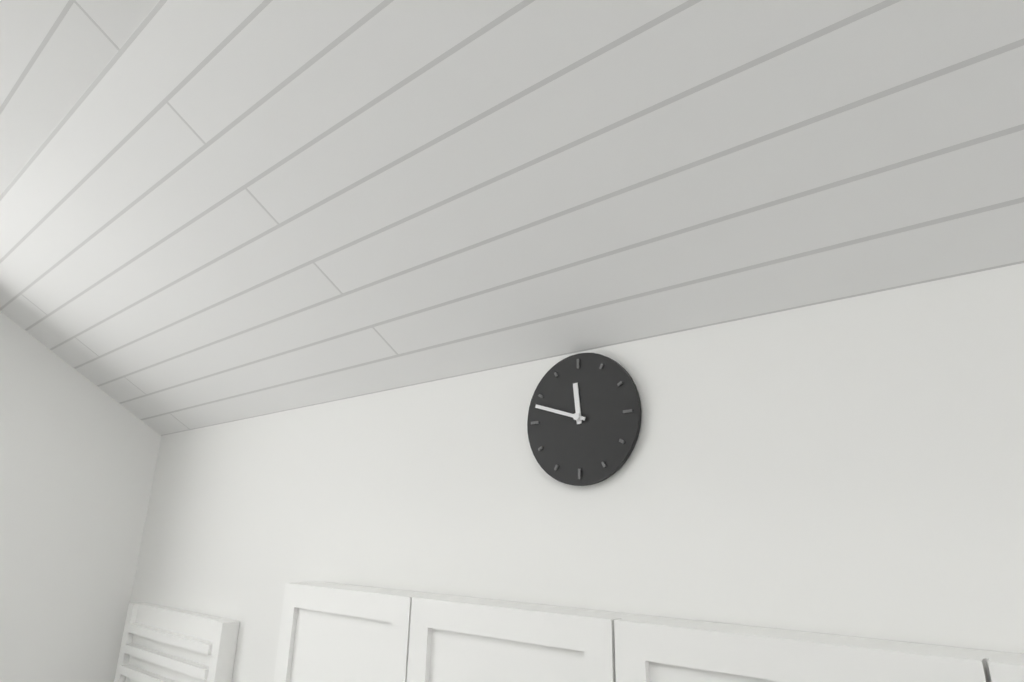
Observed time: 11h48
